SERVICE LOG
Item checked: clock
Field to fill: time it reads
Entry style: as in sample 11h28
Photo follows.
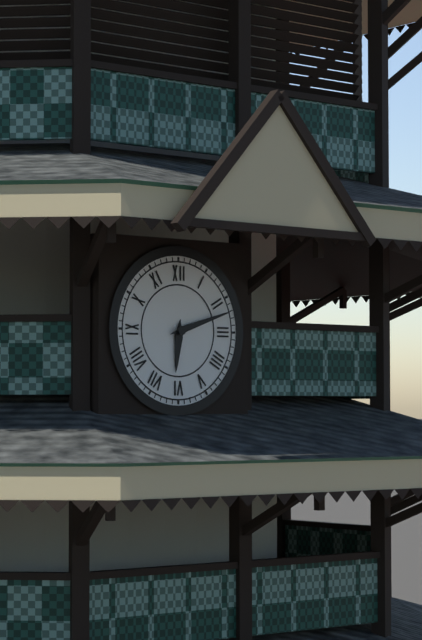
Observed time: 6h12
